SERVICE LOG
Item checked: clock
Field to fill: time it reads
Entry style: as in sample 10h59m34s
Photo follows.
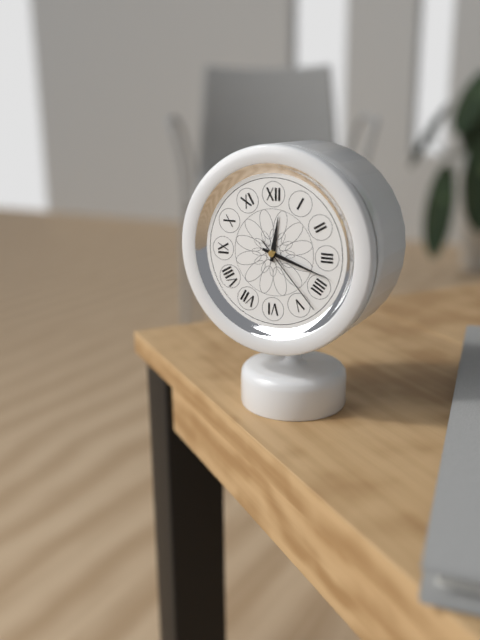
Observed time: 12h18m23s
